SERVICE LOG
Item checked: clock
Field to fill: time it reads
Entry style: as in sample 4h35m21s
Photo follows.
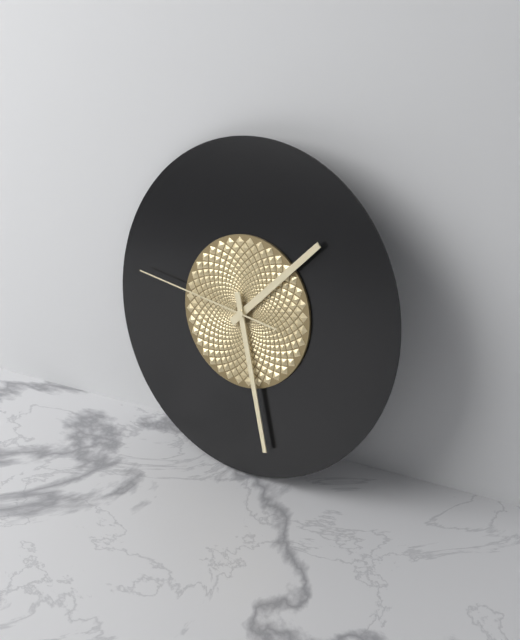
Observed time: 1h27m46s
